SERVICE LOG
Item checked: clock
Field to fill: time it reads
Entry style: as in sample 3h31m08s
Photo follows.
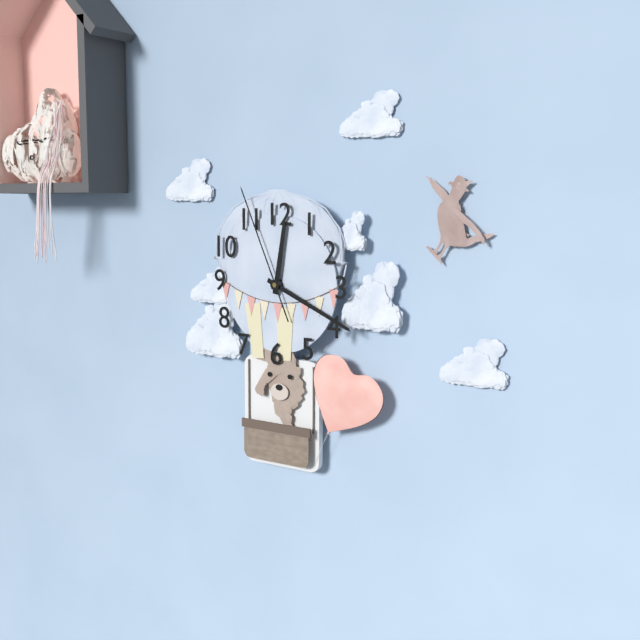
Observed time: 12h19m56s
